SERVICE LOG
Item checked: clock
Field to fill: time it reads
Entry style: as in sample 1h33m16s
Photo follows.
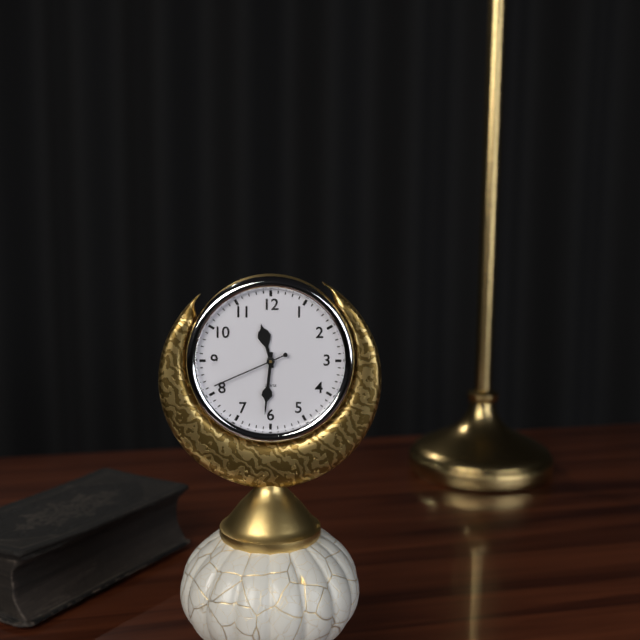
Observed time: 11h31m41s
